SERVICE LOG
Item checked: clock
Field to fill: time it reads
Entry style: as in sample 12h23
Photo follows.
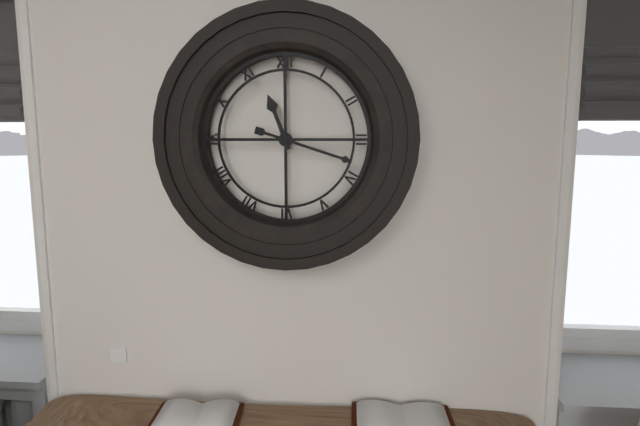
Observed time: 11h18
